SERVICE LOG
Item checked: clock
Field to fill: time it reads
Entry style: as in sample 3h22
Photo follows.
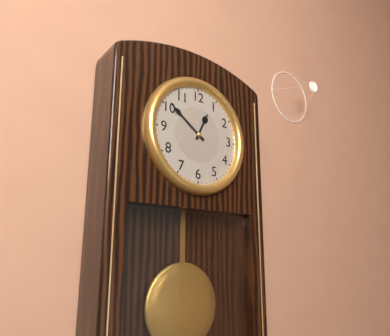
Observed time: 12h51
